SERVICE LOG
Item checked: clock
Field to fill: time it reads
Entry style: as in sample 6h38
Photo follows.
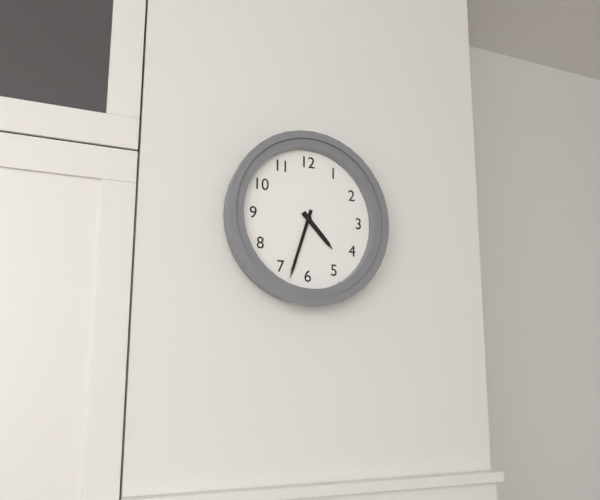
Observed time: 4h33
